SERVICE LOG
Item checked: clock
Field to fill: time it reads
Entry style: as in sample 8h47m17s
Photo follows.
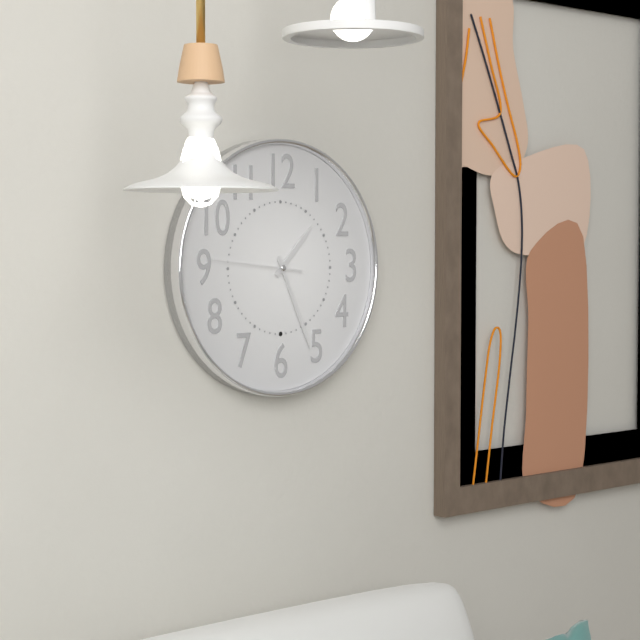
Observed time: 1h26m46s
